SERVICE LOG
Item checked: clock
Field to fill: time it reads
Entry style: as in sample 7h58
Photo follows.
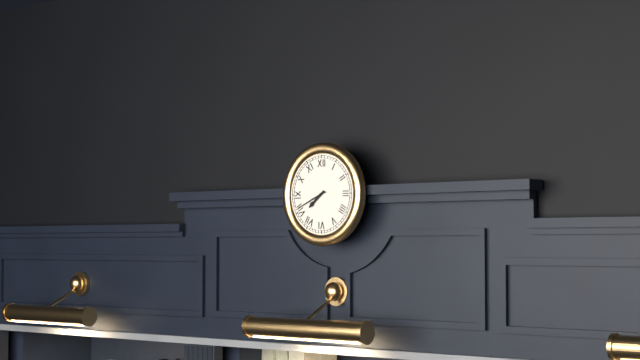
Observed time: 7h41
